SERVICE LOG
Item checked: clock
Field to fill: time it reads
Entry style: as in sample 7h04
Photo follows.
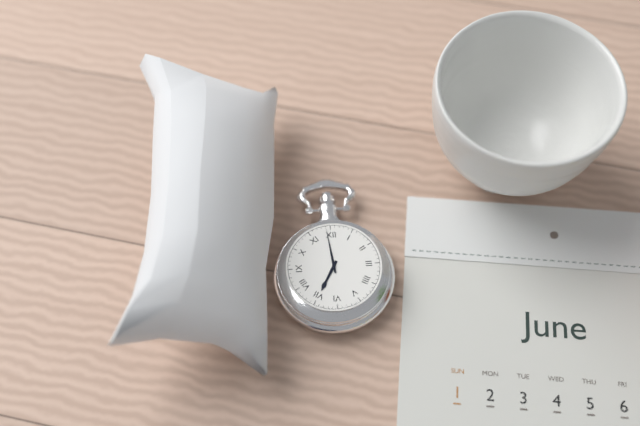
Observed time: 6h59
